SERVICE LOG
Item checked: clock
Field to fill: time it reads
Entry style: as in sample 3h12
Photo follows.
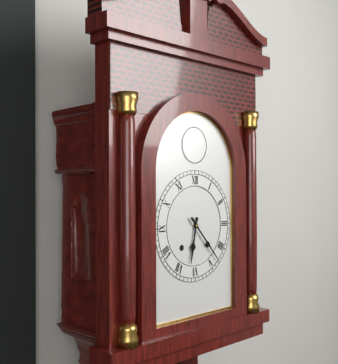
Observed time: 6h23
